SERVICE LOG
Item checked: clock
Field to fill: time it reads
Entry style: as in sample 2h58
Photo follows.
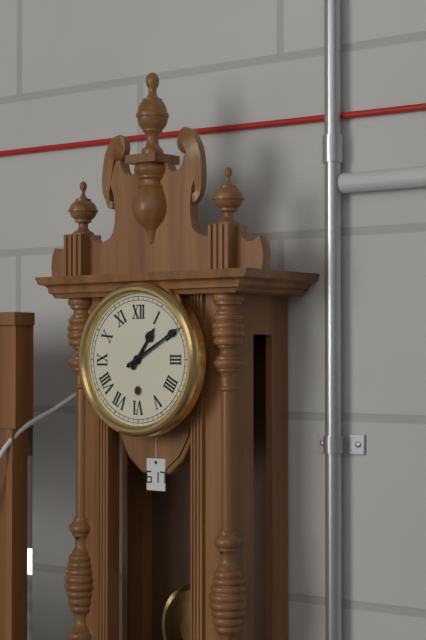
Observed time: 1h10
